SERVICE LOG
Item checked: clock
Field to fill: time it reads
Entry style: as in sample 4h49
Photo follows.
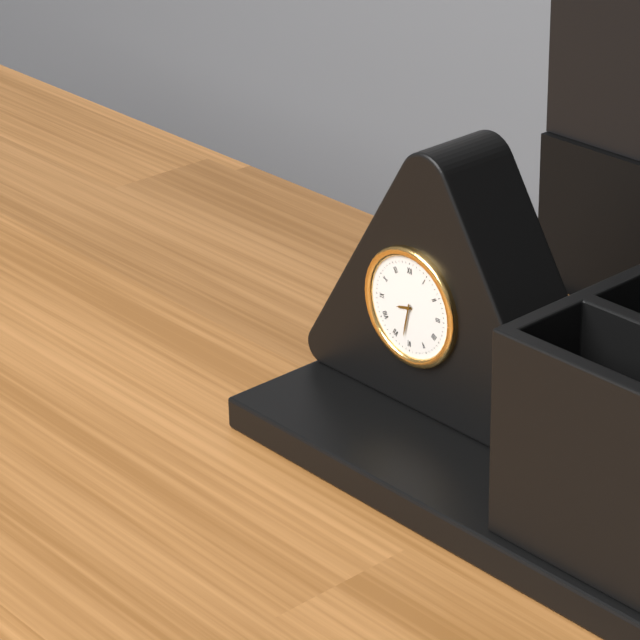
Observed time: 8h32
